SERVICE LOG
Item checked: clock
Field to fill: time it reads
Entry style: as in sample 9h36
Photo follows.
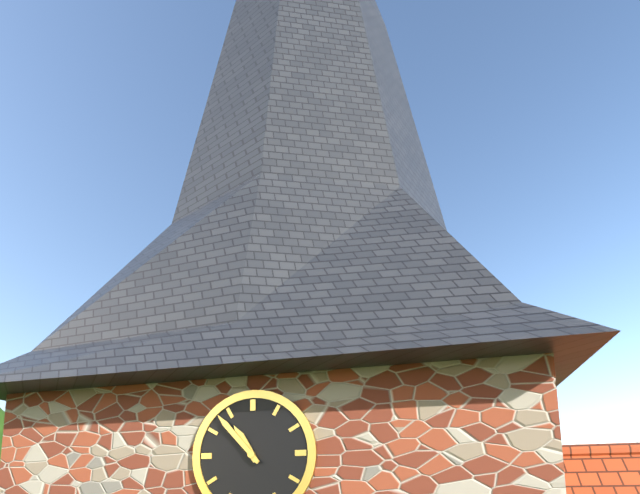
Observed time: 10h53
